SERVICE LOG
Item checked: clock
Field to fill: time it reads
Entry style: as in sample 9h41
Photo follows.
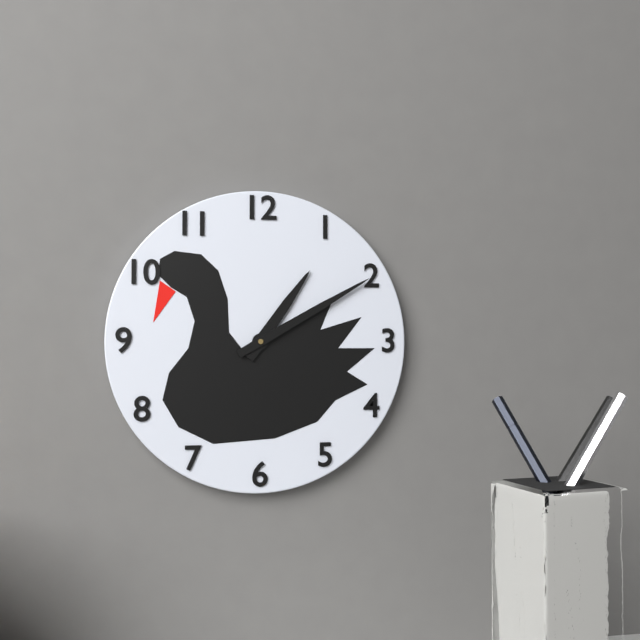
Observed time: 1h10
